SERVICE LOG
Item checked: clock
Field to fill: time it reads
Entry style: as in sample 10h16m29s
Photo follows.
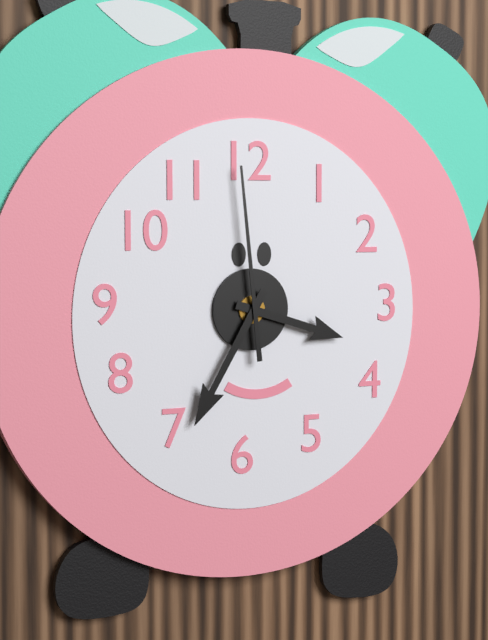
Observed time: 3h35m59s
